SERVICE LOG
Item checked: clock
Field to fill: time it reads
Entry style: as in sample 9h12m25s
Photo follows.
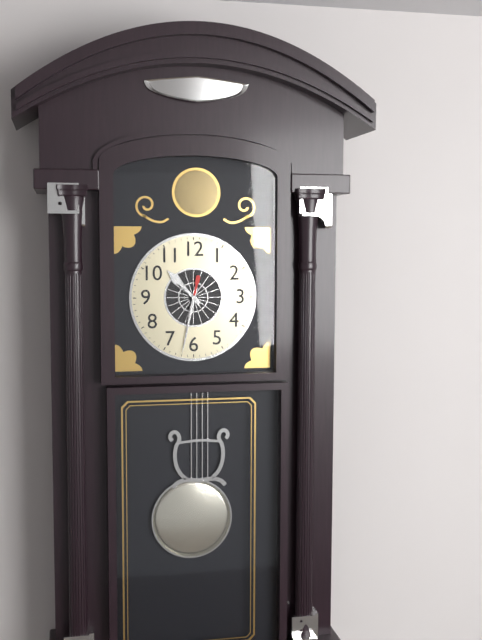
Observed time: 10h32m32s
